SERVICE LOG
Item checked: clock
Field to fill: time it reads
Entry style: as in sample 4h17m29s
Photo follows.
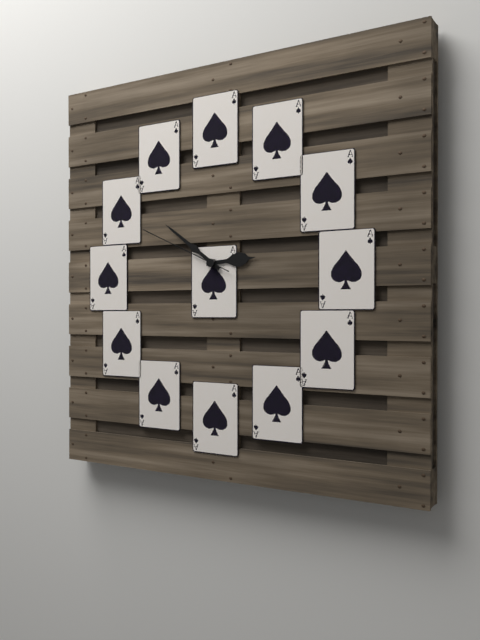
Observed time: 2h51m49s
